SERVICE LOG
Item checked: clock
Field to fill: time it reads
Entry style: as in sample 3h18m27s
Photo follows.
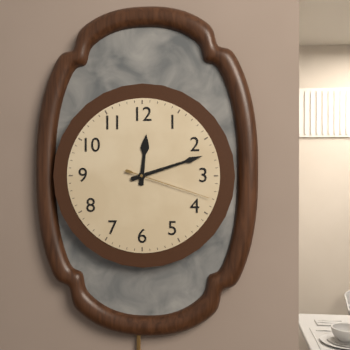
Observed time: 12h12m18s
